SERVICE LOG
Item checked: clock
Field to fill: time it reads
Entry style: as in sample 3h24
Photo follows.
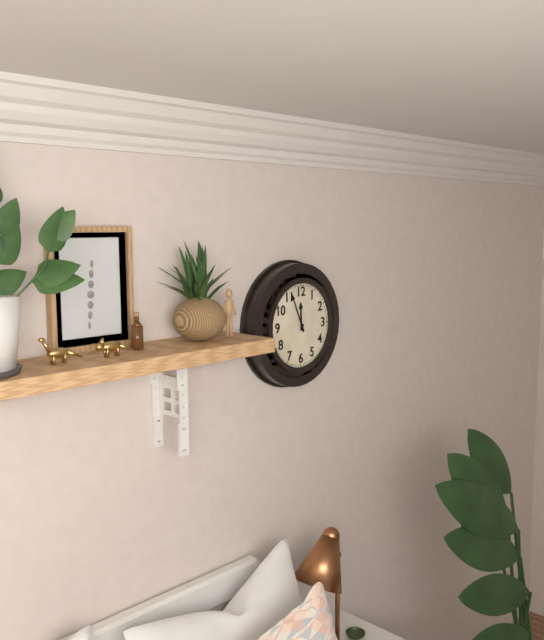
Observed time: 11h56
